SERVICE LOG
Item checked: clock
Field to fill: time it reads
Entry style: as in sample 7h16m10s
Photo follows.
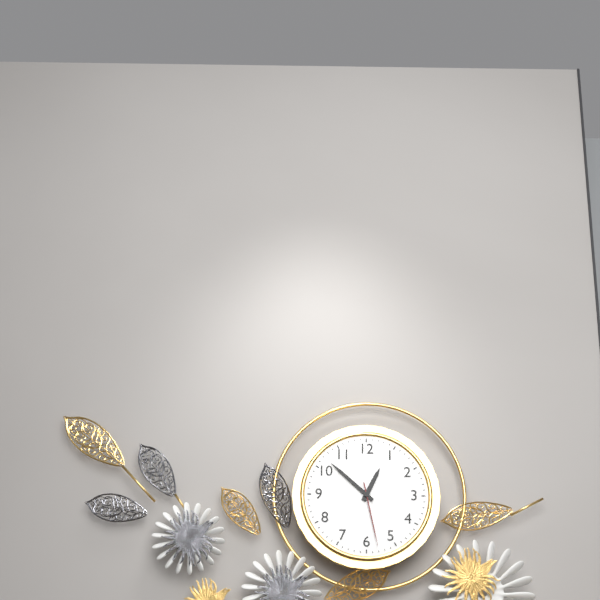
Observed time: 12h52m28s
